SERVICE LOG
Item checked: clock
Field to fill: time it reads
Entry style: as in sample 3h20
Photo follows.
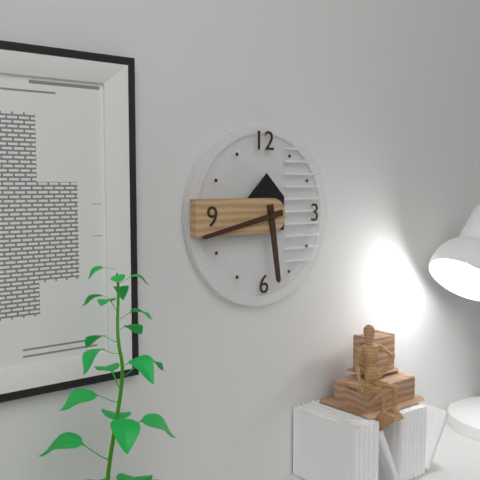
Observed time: 5h43
